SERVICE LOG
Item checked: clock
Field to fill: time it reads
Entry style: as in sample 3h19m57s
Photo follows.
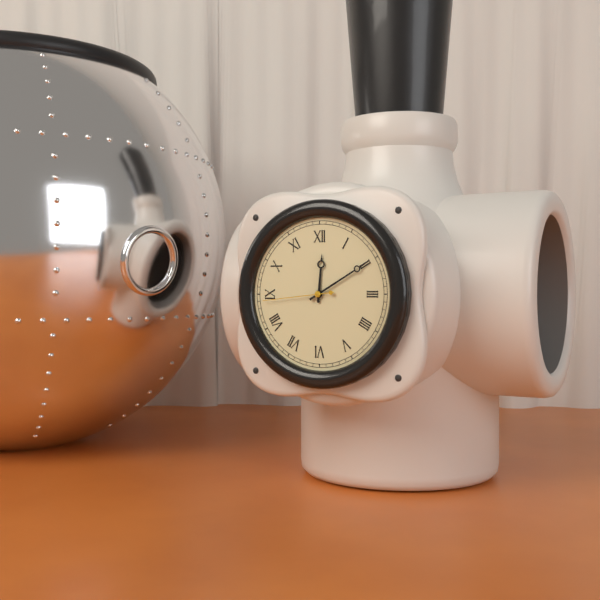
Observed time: 12h10m44s
